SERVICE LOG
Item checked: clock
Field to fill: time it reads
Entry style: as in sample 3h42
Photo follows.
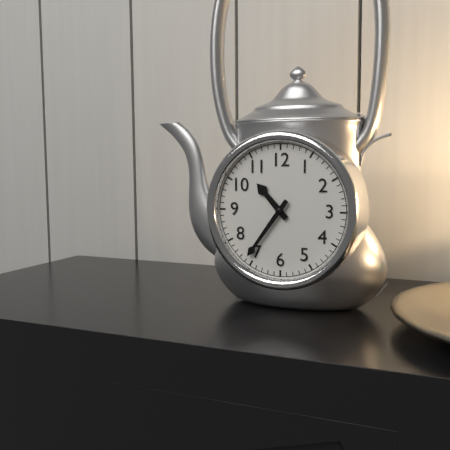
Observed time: 10h36
